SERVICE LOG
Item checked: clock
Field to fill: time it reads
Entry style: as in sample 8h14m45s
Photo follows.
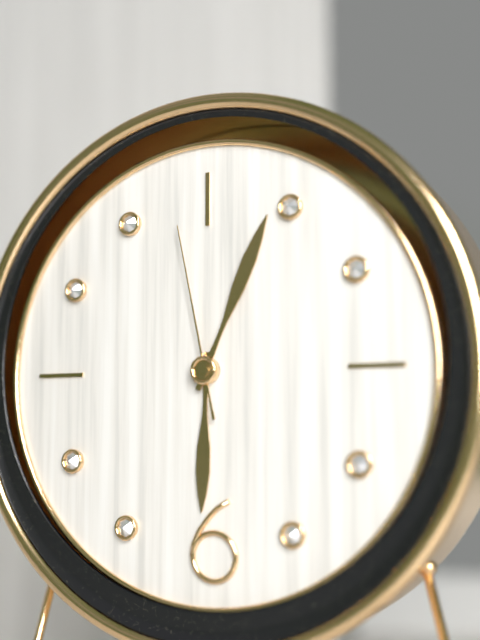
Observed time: 6h04m58s
